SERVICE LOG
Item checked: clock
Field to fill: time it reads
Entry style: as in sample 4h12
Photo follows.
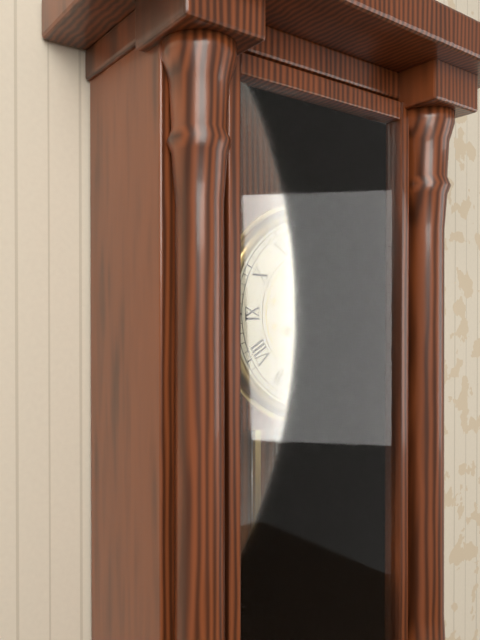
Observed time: 4h11
